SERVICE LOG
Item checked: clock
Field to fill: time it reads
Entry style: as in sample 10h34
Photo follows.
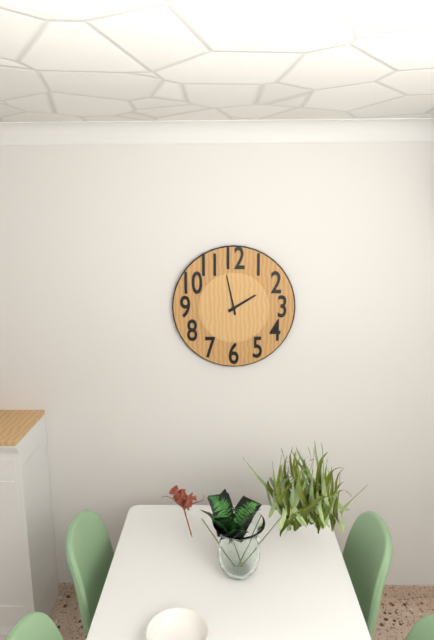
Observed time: 1h58
